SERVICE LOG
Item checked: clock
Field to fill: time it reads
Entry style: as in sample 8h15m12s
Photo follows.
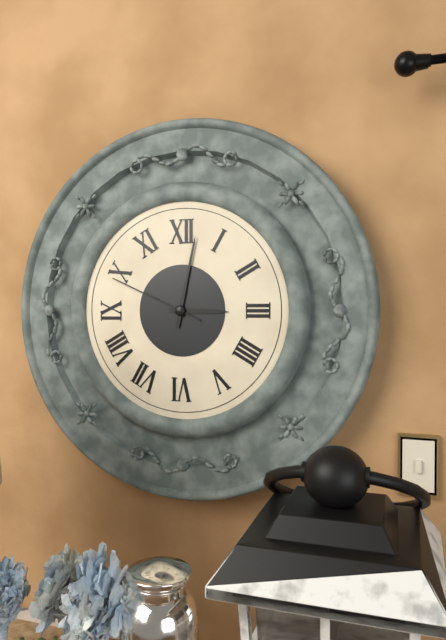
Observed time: 3h02m49s
